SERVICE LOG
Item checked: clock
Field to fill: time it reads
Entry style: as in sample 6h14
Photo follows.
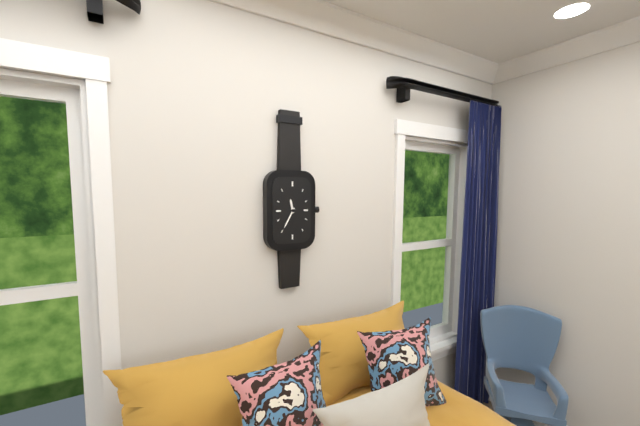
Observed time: 11h35
